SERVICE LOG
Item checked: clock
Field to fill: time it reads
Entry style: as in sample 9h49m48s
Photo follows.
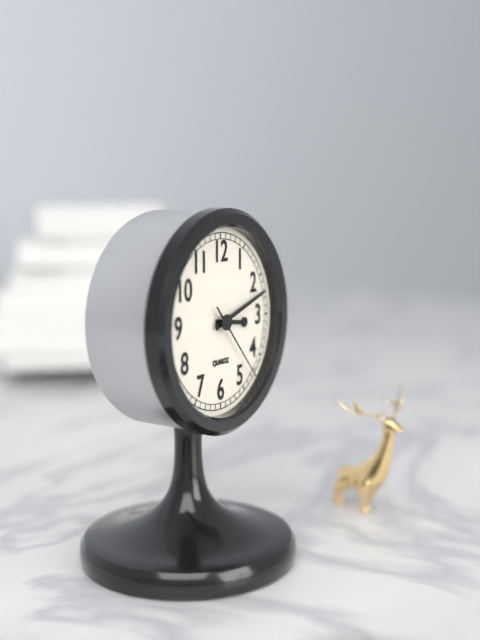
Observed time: 3h12m23s
